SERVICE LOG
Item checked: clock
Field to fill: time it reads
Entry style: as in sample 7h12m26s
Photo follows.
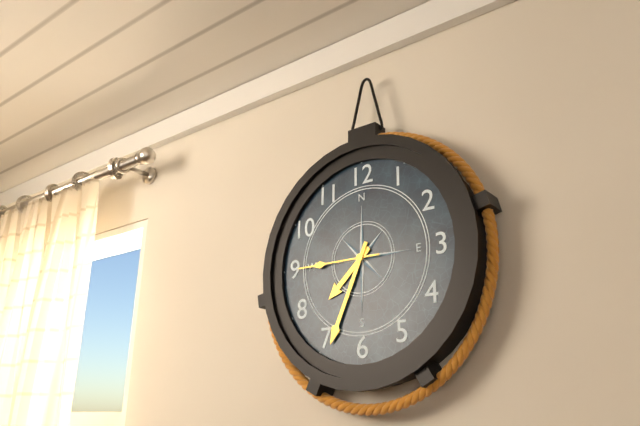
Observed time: 7h34m45s
